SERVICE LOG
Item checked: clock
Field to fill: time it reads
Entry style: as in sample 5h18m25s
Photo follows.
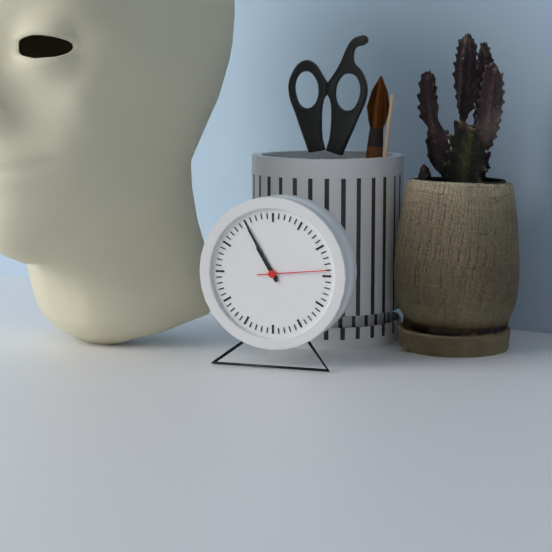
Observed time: 10h55m14s
